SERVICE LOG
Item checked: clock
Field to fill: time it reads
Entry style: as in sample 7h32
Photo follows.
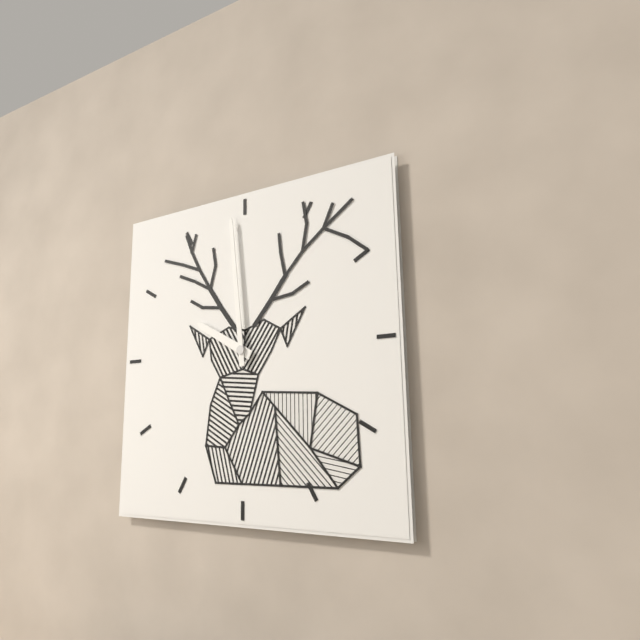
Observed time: 9h59
